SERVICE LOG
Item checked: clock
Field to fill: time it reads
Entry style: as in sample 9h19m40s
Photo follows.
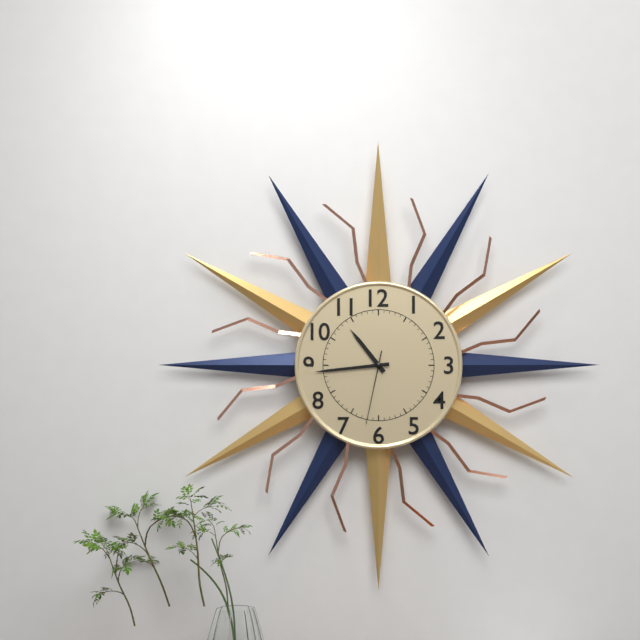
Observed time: 10h44m32s
